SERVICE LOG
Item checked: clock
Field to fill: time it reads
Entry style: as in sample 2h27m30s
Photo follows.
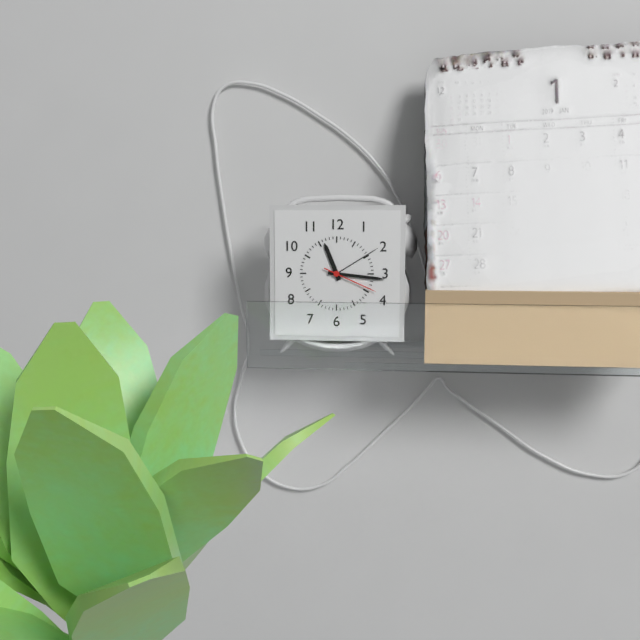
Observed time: 11h16m19s
